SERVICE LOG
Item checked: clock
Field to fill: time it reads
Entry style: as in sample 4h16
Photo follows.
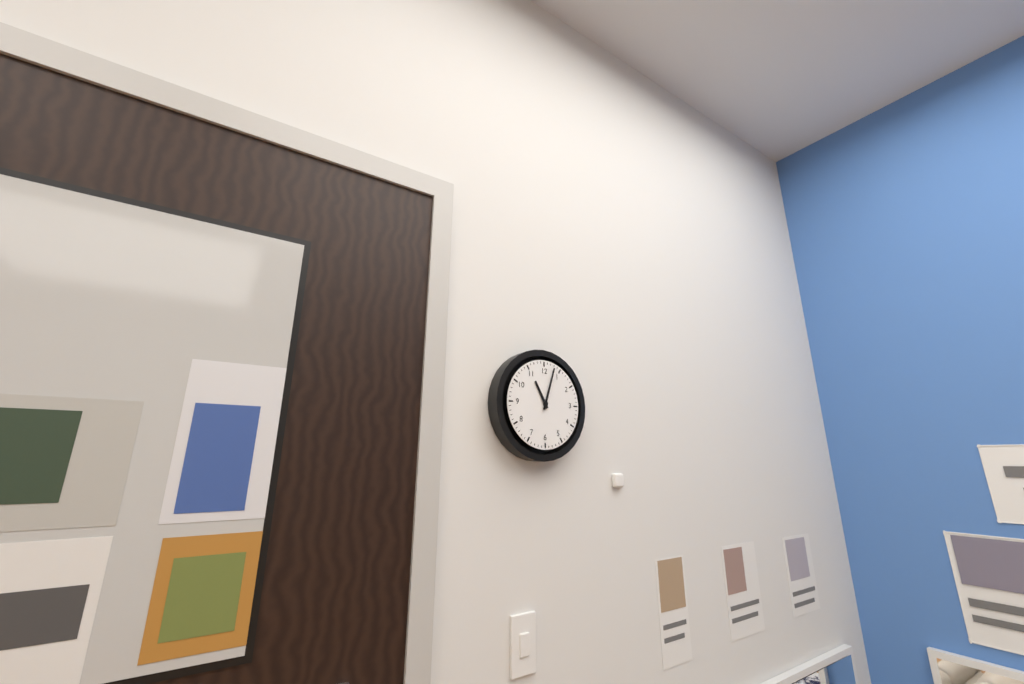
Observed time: 11h03
